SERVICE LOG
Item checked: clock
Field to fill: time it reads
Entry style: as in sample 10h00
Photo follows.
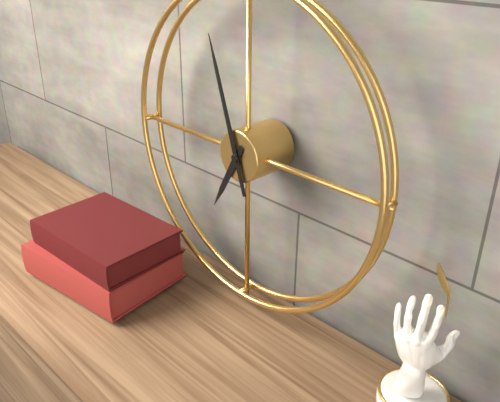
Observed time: 6h57
